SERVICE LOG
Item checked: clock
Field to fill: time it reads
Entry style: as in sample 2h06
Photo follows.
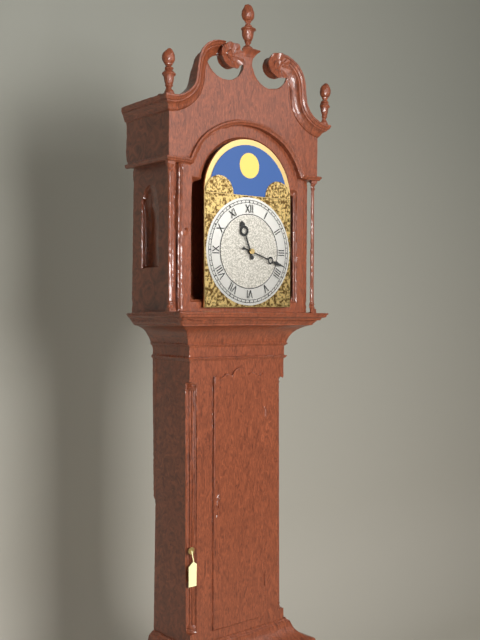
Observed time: 11h18
